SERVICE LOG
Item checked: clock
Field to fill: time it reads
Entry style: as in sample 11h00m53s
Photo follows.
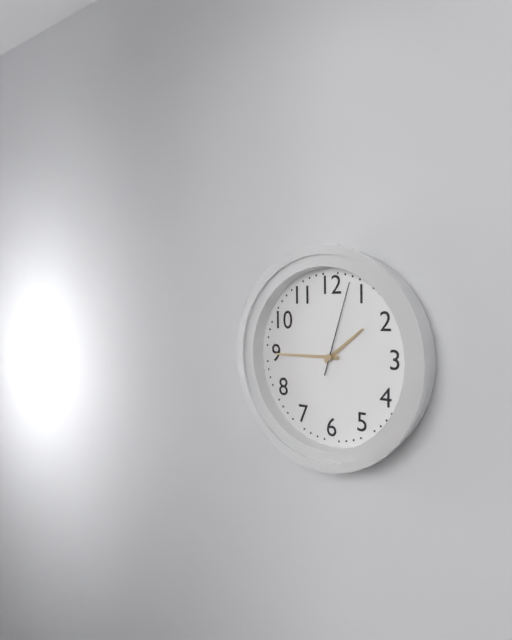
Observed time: 1h45m03s
